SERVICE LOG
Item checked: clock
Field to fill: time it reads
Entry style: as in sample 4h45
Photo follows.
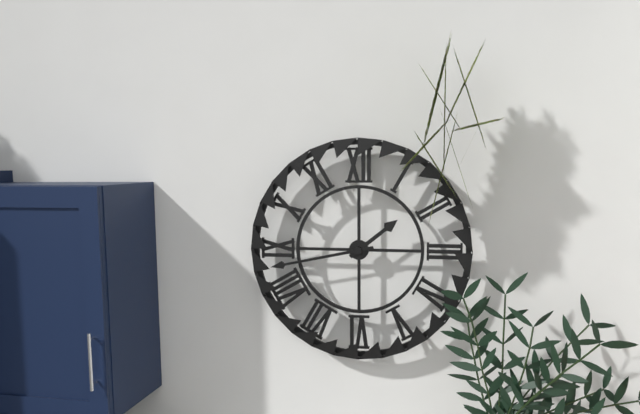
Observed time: 1h43
